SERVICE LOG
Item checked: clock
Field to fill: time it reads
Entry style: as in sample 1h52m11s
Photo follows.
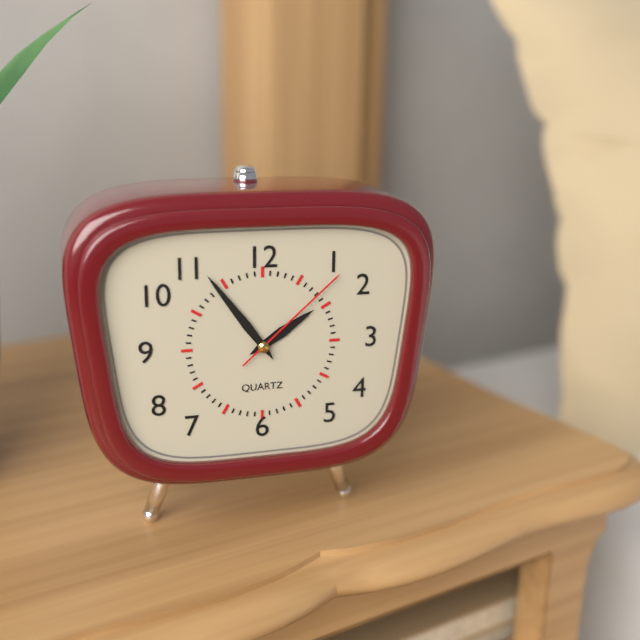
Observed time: 1h54m08s
